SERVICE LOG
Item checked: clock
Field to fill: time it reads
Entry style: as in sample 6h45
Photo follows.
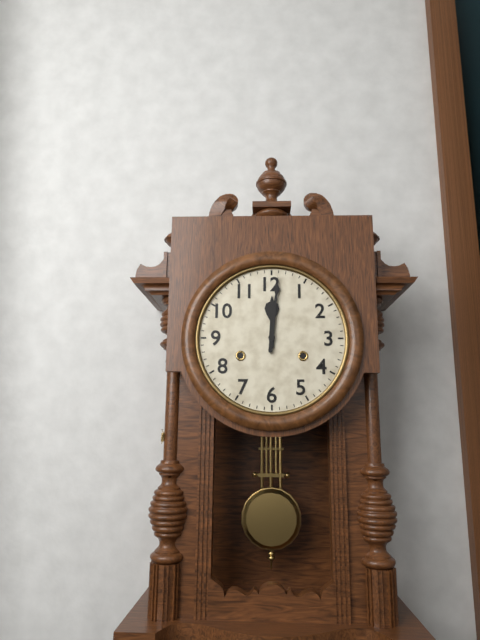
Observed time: 12h01
